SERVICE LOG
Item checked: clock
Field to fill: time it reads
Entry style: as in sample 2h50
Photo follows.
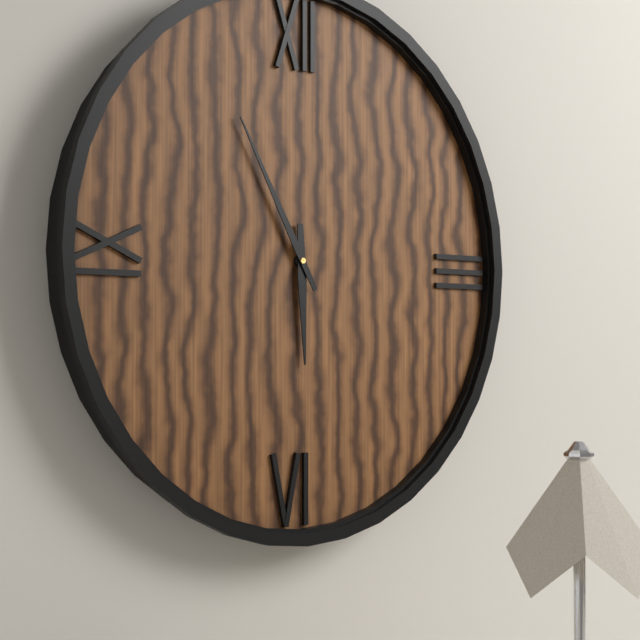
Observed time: 5h55
